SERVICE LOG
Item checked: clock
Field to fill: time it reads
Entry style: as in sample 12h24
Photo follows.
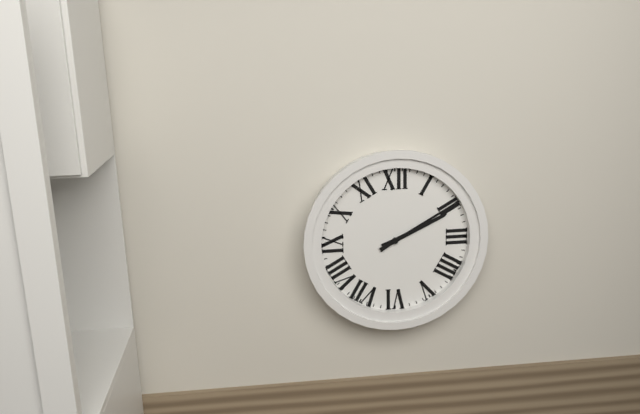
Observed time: 2h10
